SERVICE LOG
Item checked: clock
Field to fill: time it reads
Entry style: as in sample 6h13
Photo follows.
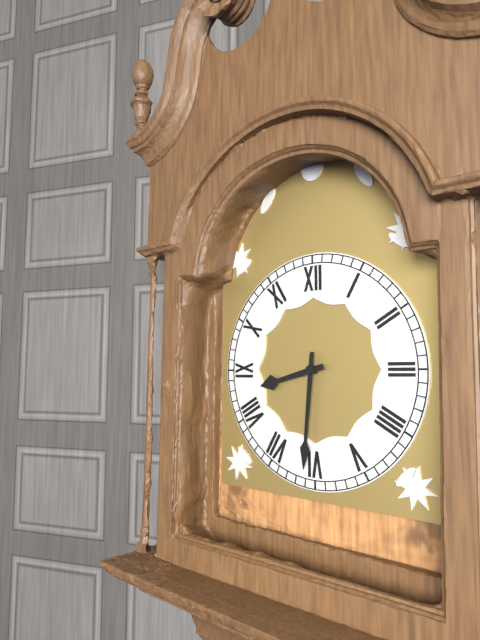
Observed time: 8h31
